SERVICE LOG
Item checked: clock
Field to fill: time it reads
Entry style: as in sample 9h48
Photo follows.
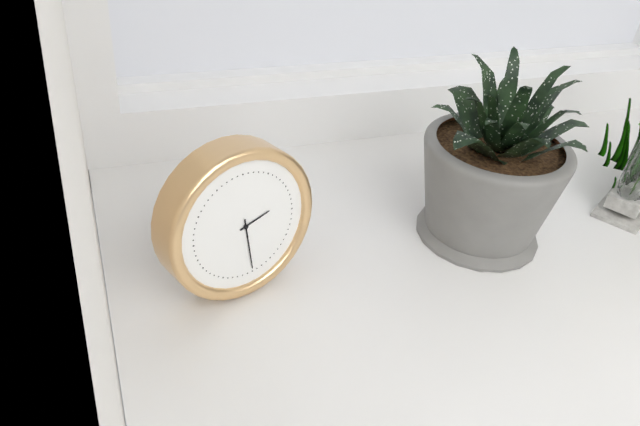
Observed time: 2h29
